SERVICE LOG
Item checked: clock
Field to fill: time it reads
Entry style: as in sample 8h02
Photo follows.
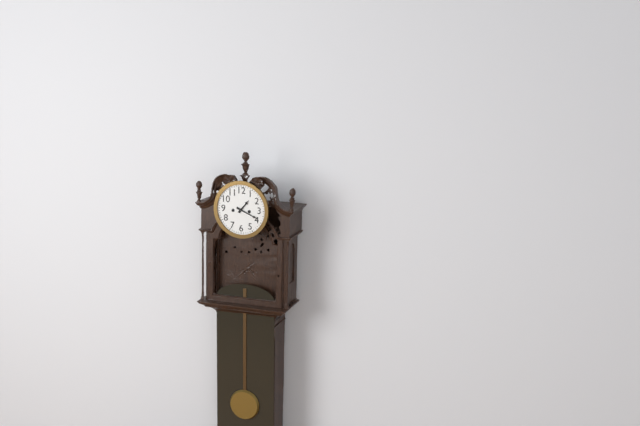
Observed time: 1h19
